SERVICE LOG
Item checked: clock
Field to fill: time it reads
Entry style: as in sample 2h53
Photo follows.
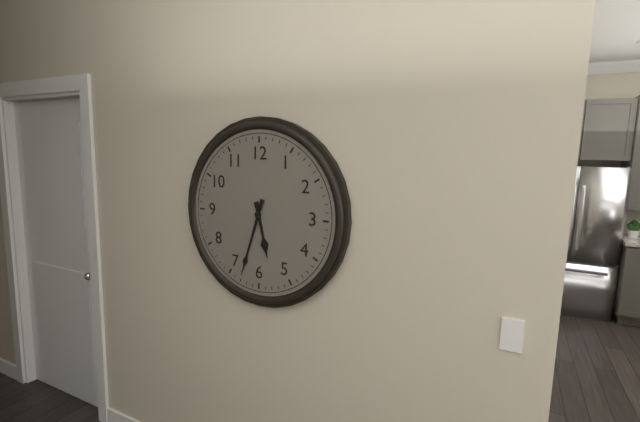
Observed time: 5h33
